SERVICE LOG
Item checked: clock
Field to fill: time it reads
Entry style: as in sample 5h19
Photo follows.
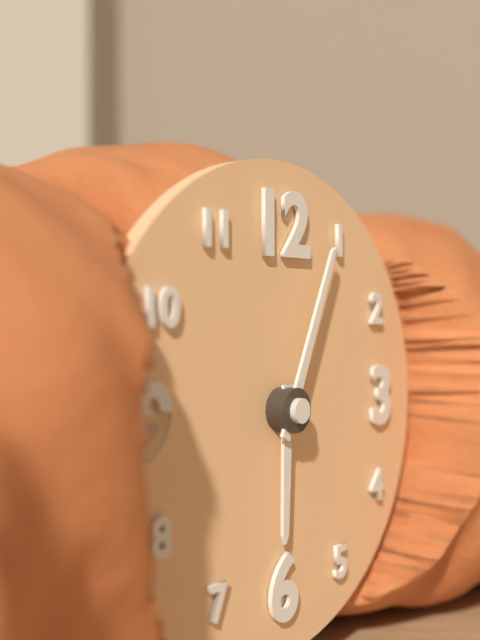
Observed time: 6h04
